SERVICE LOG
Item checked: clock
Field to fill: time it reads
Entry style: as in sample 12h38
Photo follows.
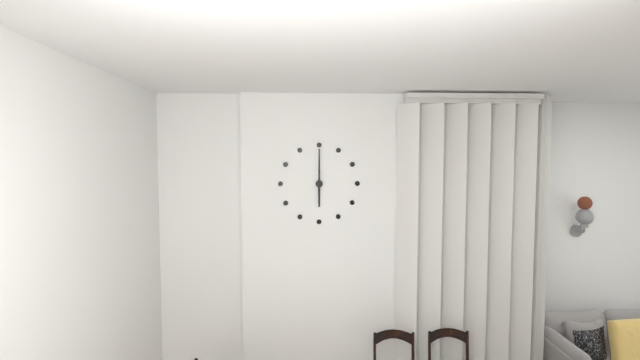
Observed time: 6h00
